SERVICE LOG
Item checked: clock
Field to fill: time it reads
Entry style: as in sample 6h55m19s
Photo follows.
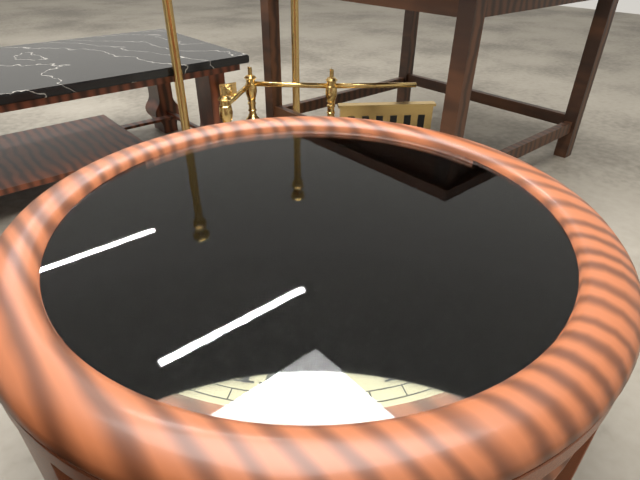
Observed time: 1h25m30s
